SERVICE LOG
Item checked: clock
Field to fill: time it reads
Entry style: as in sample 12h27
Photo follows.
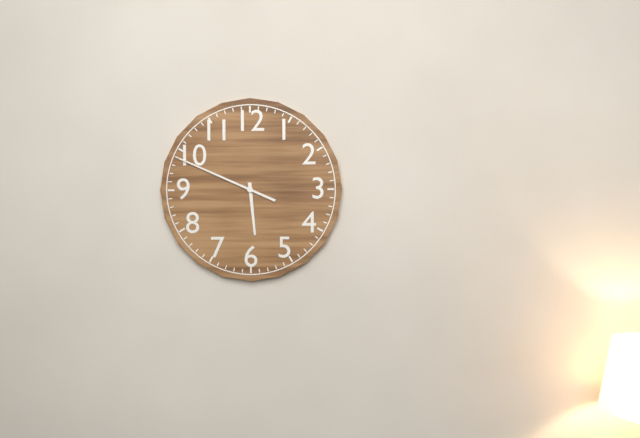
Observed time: 5h49
